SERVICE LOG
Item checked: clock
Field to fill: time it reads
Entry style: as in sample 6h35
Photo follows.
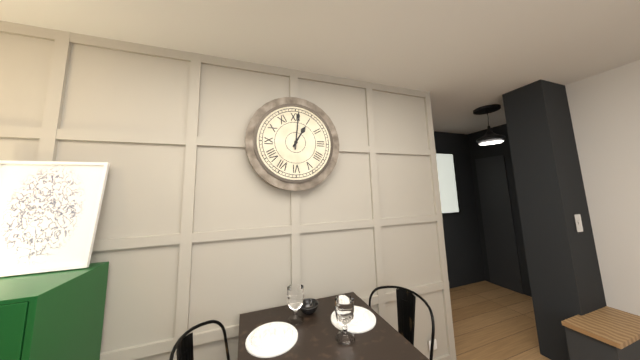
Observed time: 1h01
